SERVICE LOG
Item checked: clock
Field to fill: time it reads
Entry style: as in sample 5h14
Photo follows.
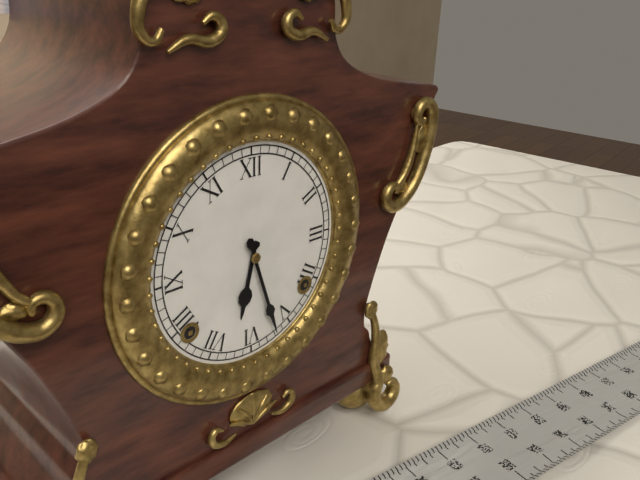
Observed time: 6h27
